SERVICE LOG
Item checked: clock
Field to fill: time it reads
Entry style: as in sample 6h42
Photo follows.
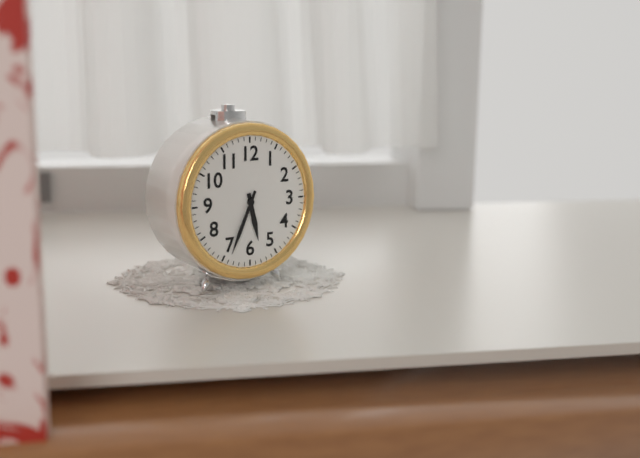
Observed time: 5h34
